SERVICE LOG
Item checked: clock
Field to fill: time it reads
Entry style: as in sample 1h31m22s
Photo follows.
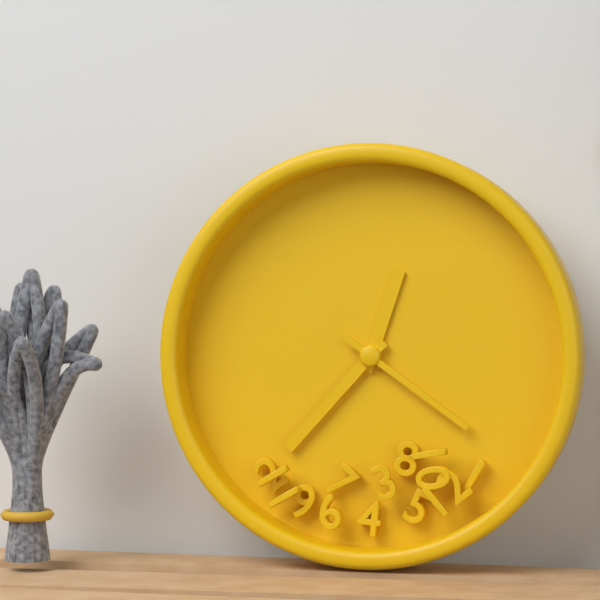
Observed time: 12h37m21s
